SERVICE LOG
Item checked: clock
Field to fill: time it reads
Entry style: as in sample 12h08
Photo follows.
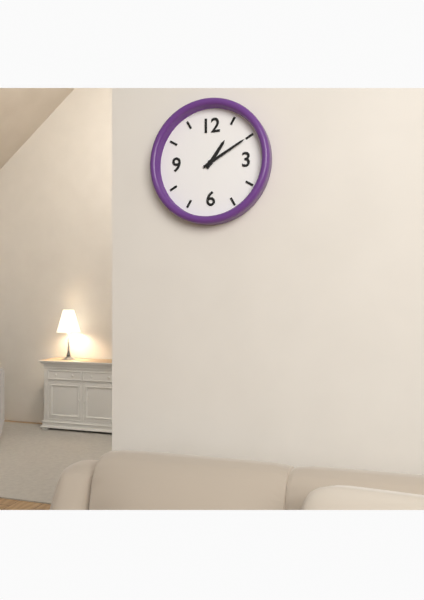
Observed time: 1h10
